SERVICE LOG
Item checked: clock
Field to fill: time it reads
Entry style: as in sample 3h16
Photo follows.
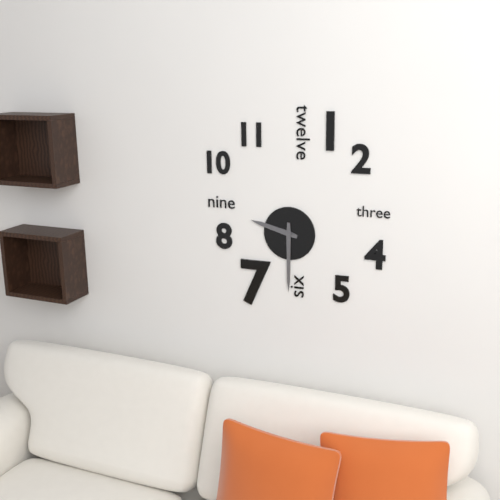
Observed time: 9h30
